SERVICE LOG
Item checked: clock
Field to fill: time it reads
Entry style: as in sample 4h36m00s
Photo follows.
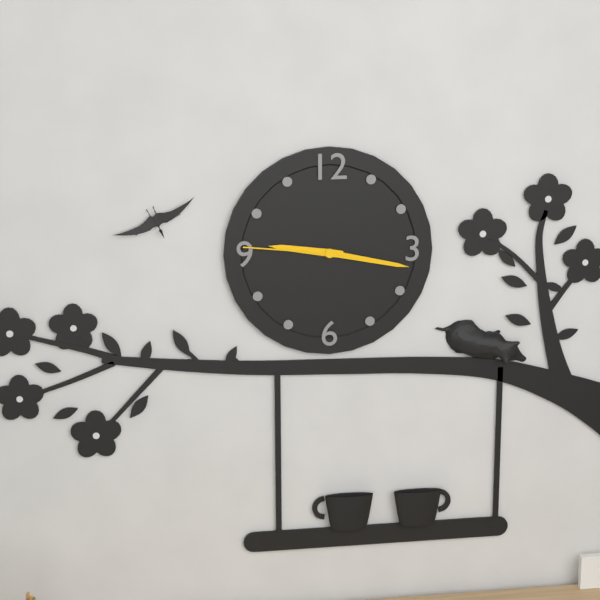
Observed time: 9h17m46s
